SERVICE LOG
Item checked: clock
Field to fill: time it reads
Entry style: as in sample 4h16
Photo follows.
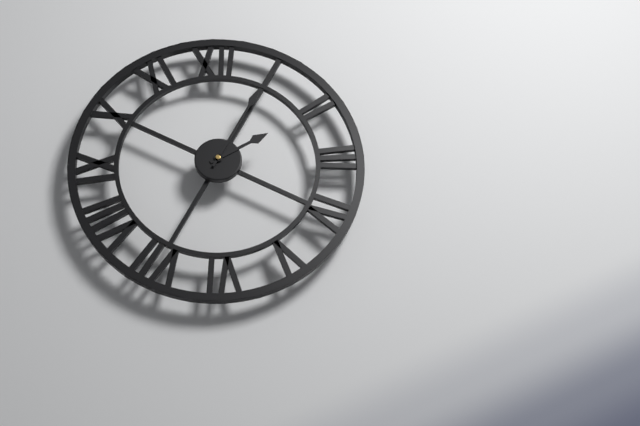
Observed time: 2h05
